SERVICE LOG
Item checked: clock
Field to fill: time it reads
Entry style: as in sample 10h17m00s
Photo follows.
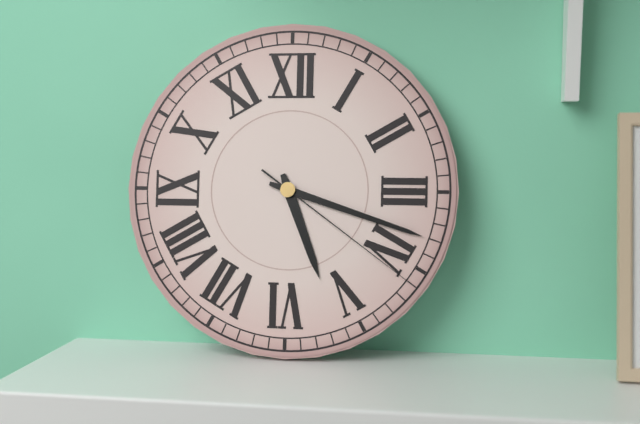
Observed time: 5h18m21s
